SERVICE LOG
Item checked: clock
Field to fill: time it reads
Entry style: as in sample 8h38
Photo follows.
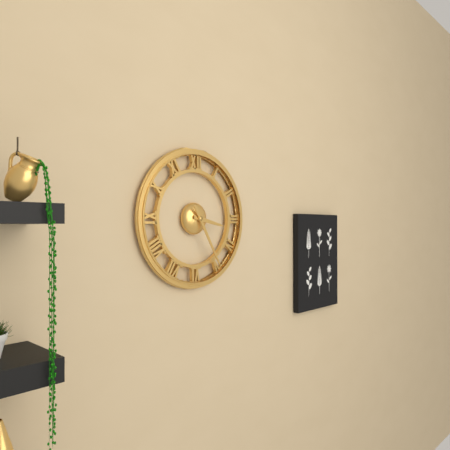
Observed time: 3h25
